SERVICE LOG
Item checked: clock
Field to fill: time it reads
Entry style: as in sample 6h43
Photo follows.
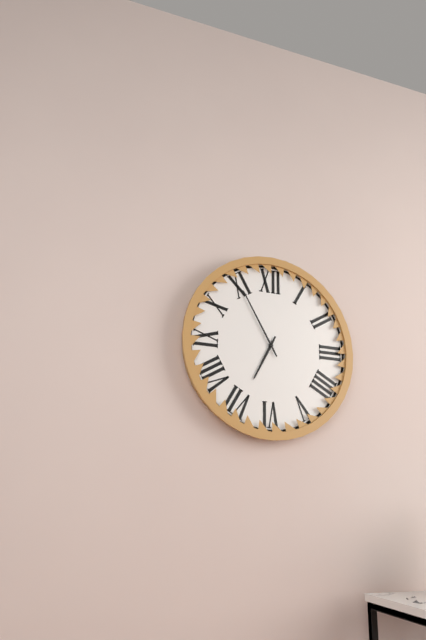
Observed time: 6h55
